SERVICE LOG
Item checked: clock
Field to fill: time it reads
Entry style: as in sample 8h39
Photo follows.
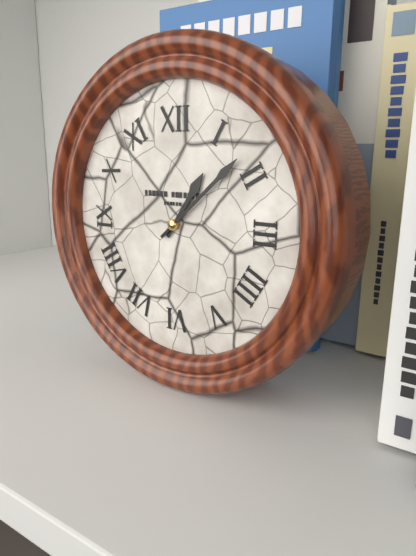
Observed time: 1h08
